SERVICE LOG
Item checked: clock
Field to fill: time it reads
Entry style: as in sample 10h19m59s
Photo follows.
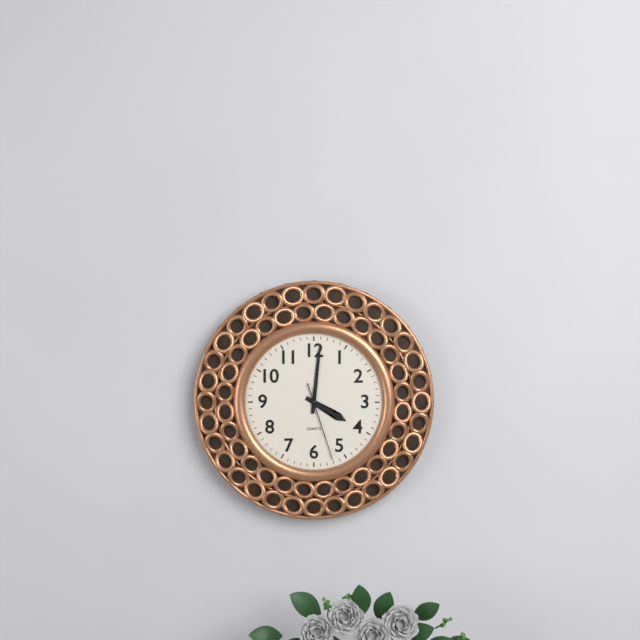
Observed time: 4h01m27s
